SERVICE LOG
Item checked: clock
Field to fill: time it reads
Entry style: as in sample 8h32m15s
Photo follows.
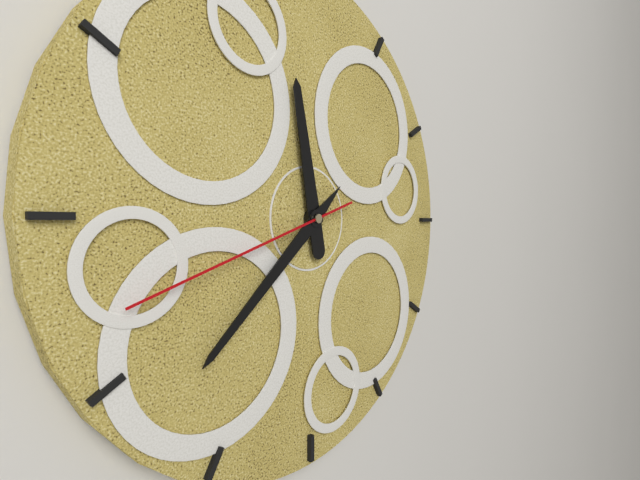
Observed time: 11h38m42s
